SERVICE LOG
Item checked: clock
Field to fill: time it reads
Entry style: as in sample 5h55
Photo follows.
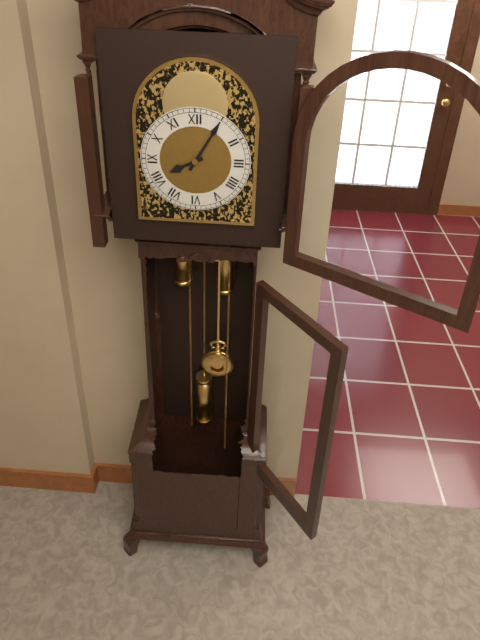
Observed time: 8h05
